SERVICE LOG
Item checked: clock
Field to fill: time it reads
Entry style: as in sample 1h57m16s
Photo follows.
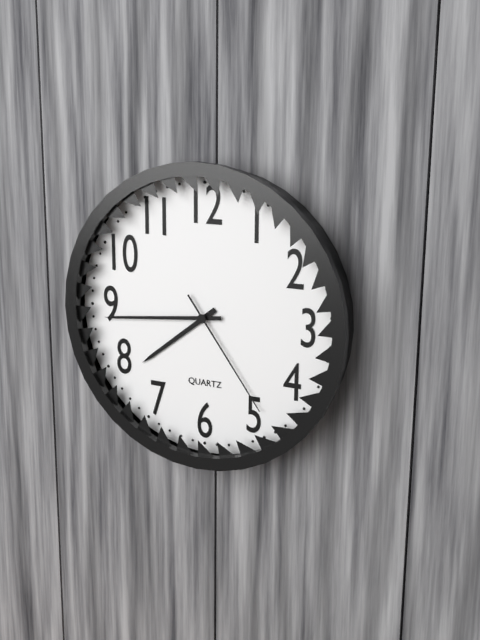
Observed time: 7h44m24s
